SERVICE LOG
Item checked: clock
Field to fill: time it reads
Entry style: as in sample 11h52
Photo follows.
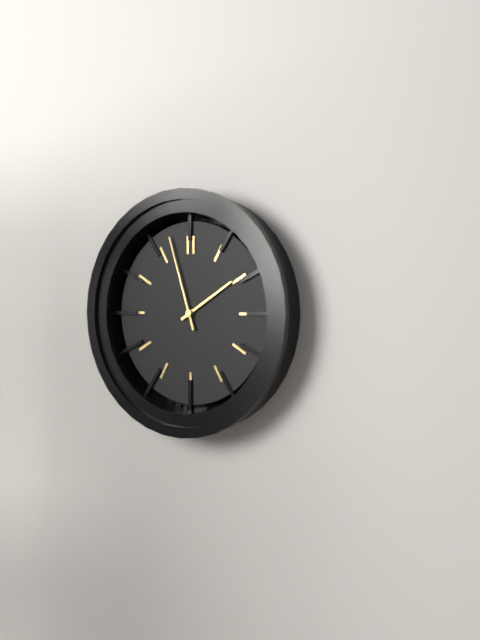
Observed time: 1h57
